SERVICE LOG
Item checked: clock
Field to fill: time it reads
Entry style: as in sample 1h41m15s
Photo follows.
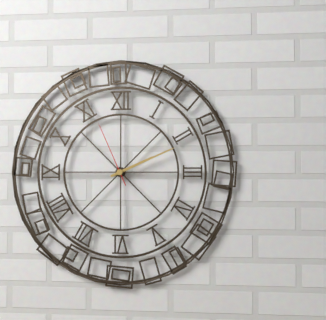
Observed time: 2h11m56s
